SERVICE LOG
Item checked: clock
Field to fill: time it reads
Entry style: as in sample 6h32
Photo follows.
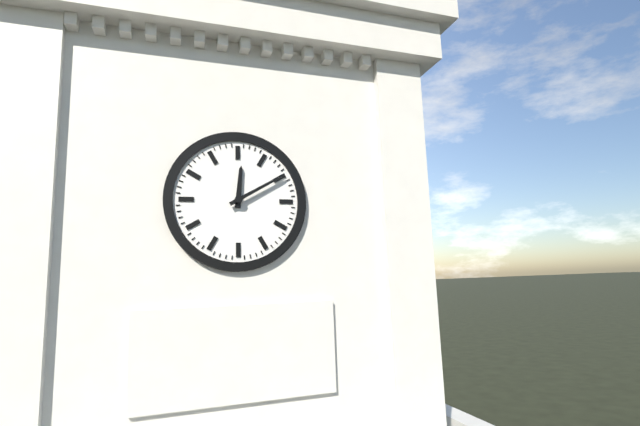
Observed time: 12h10
